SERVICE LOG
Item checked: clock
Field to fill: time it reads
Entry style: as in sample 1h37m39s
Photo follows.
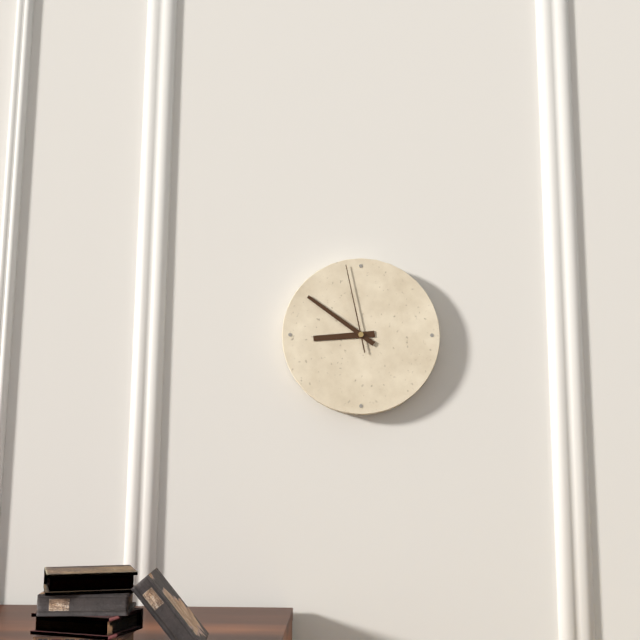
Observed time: 8h51m58s
